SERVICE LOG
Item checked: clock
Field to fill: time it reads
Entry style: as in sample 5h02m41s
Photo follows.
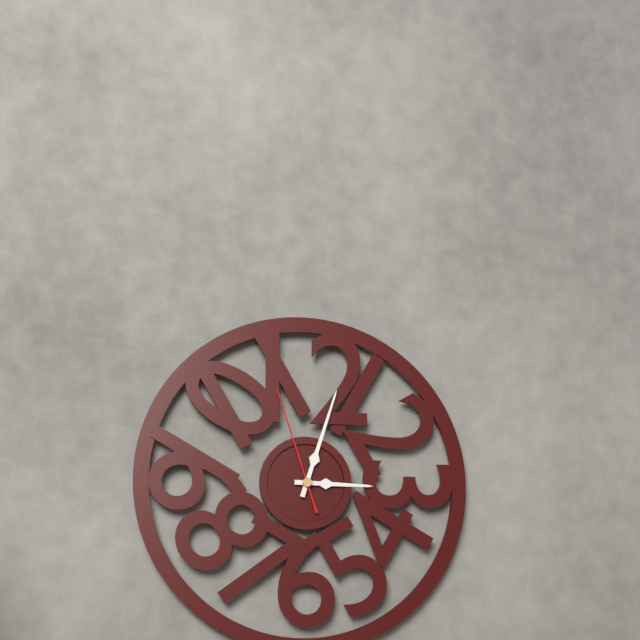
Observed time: 3h03m57s
